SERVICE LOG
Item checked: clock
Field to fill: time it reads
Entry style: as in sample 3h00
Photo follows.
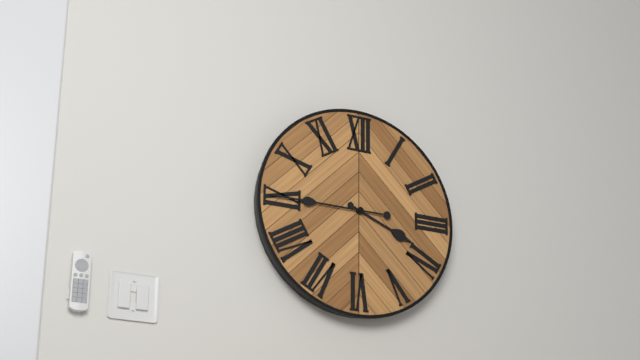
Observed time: 3h45
